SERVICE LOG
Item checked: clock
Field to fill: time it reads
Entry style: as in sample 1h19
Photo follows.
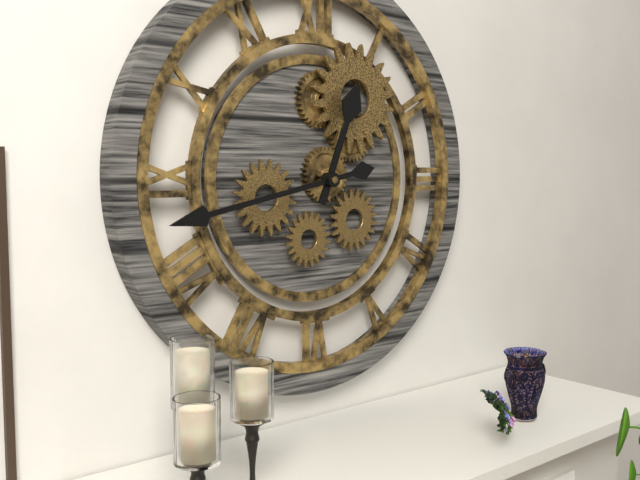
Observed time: 12h43
